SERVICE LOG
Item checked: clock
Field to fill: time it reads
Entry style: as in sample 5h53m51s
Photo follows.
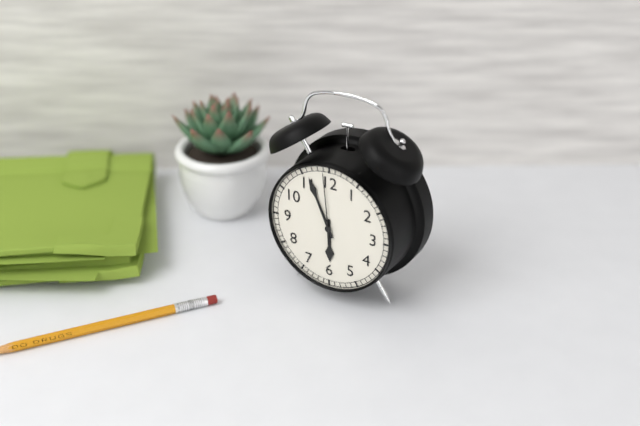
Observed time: 5h56m59s
